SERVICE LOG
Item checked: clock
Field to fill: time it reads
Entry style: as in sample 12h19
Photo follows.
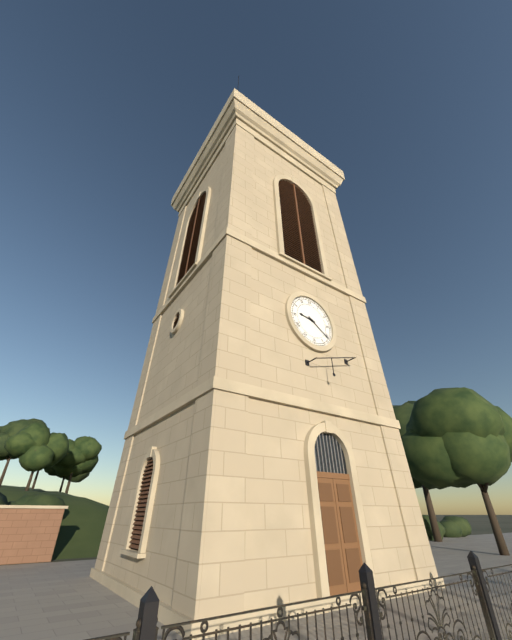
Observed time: 9h21
